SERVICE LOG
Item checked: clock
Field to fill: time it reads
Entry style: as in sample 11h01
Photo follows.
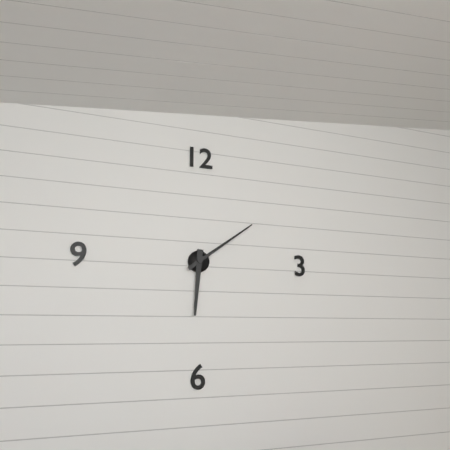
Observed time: 6h09
